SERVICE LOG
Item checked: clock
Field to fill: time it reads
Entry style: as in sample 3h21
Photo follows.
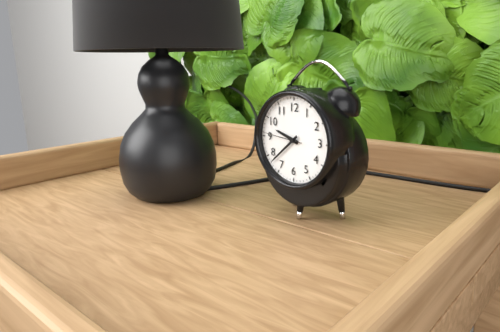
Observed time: 9h38
